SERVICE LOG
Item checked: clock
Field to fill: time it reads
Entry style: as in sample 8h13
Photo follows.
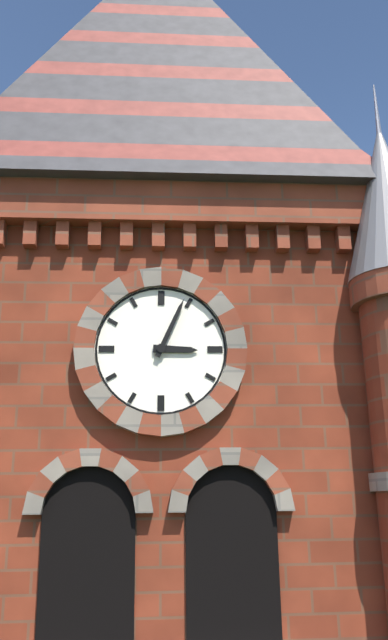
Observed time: 3h04
